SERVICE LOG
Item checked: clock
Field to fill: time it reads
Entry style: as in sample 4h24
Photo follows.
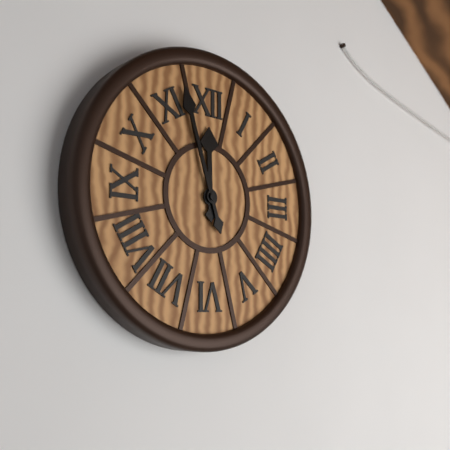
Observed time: 11h57
